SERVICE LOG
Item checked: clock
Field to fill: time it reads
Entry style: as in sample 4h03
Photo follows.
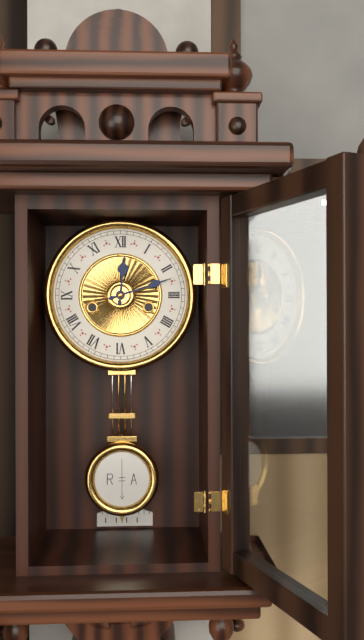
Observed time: 12h12
